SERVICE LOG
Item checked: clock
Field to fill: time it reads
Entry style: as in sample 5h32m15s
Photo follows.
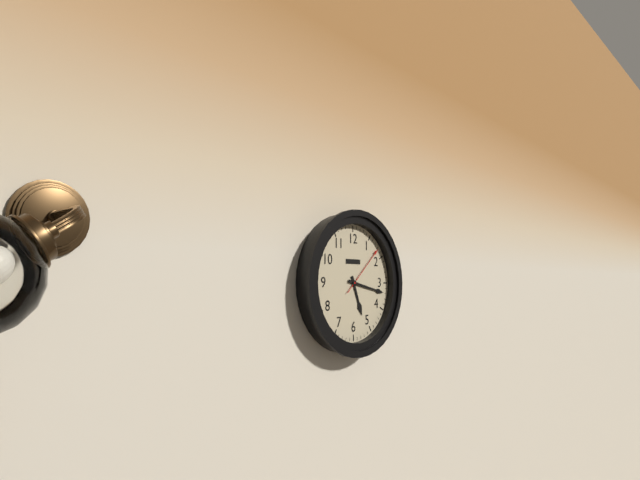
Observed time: 5h17m08s
